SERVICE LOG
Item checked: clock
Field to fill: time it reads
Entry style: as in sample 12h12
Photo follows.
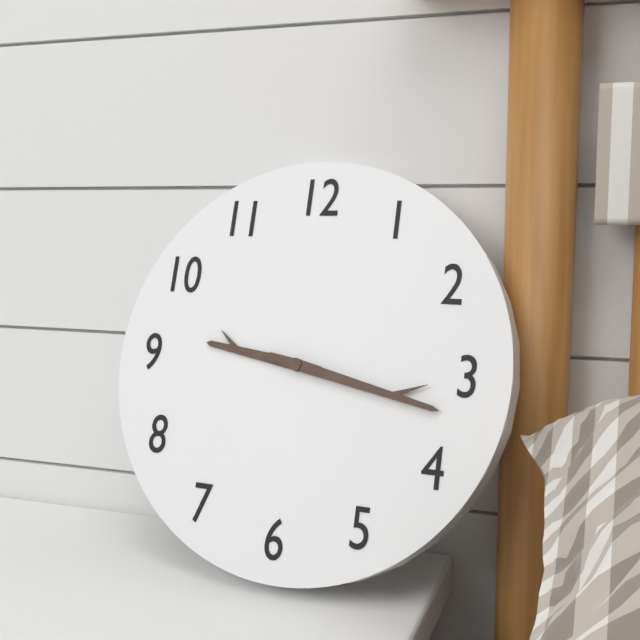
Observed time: 9h17
